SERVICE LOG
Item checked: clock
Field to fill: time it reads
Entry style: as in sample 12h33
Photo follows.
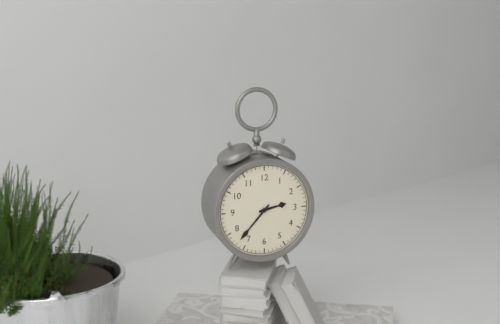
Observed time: 2h37
